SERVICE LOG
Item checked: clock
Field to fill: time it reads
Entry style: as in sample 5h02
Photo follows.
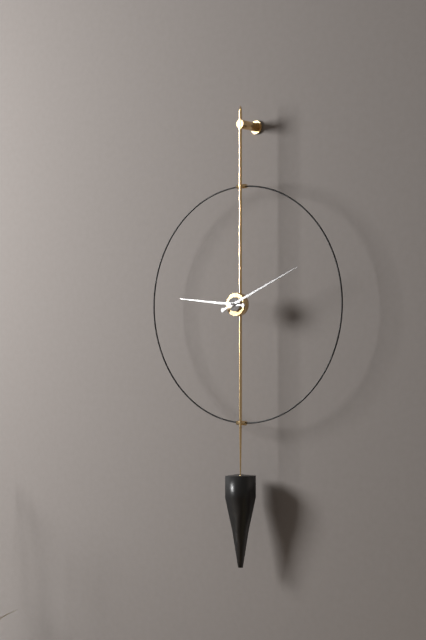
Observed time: 9h11
